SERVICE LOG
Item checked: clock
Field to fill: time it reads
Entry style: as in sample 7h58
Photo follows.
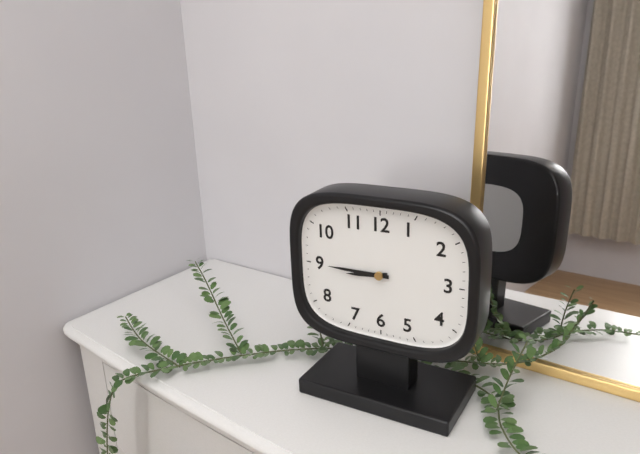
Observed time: 8h45
